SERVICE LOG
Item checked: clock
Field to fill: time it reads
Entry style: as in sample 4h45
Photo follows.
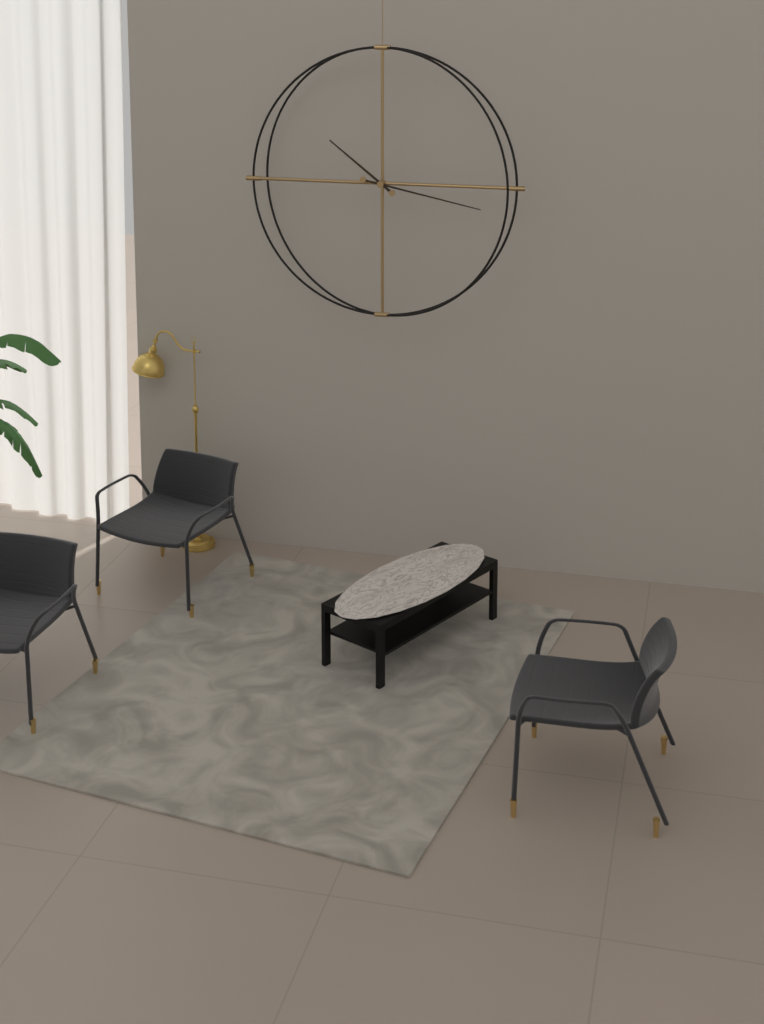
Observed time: 10h17
